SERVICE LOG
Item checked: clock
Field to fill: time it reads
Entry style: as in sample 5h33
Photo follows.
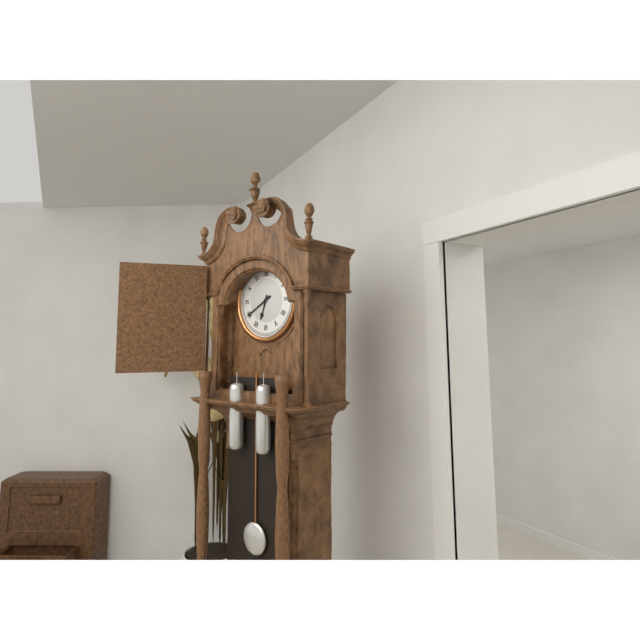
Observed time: 6h40
